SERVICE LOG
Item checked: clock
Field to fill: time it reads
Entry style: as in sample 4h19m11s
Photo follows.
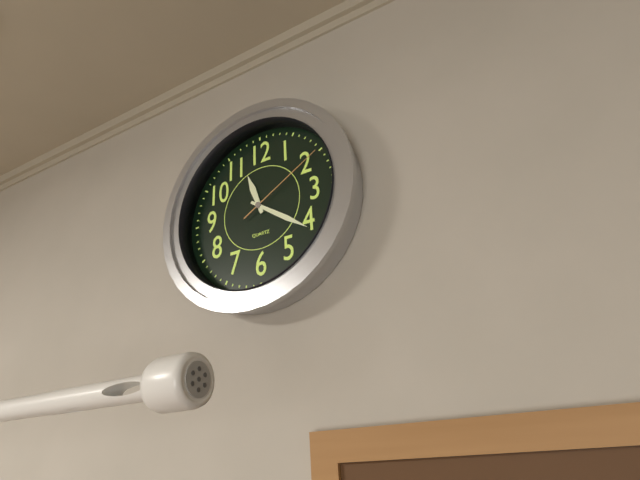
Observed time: 11h21m10s
